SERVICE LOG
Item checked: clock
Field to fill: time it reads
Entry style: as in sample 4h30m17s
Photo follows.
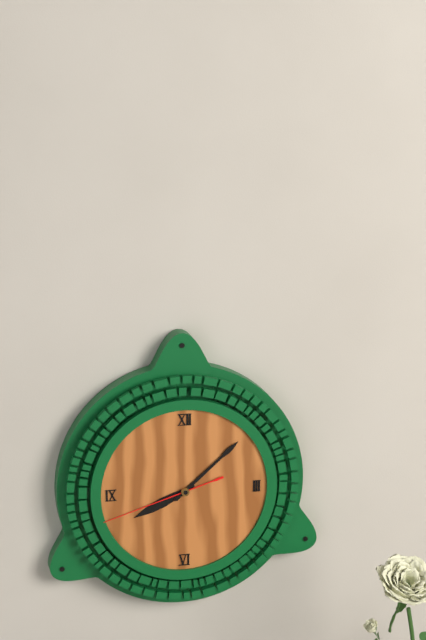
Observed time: 8h08m42s
